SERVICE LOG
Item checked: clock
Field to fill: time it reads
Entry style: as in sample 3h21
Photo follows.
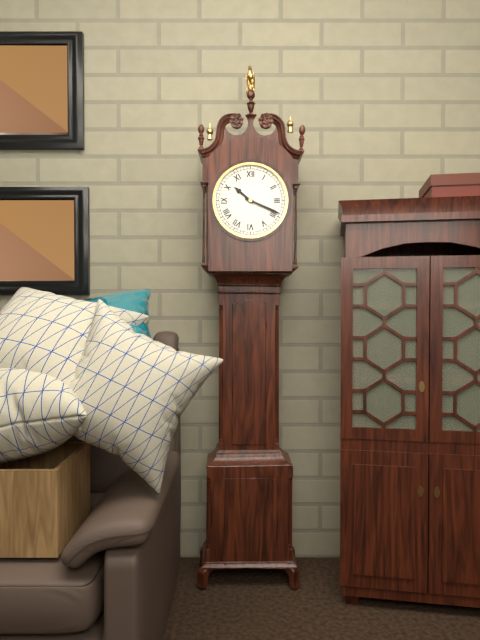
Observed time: 10h19
